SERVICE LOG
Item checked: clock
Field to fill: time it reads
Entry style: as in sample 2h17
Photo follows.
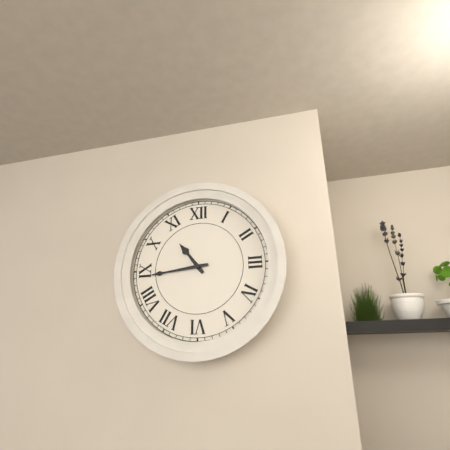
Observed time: 10h44
